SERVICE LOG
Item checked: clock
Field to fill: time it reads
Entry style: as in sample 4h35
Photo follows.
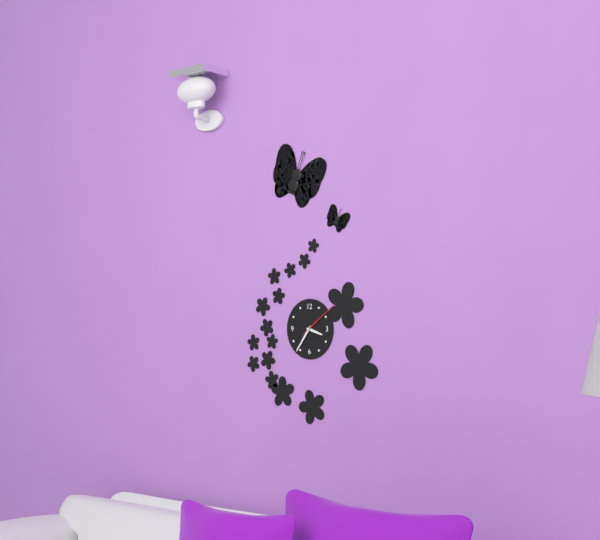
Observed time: 3h36
